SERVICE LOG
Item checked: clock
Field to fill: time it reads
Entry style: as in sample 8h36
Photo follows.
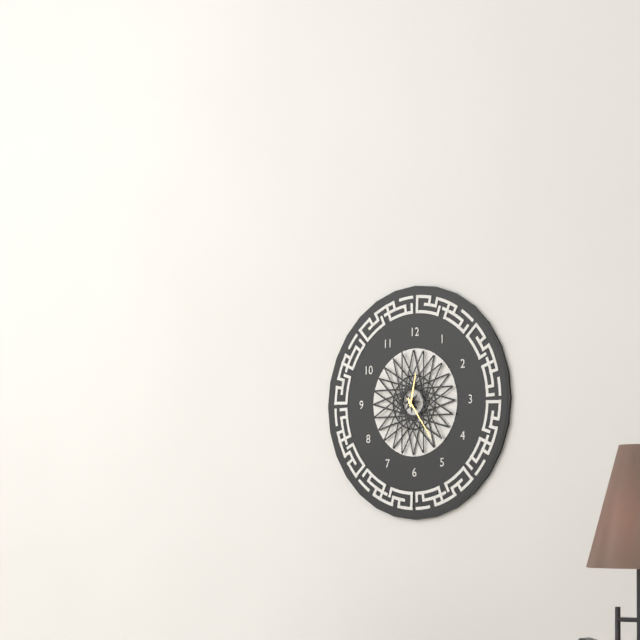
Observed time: 12h24
